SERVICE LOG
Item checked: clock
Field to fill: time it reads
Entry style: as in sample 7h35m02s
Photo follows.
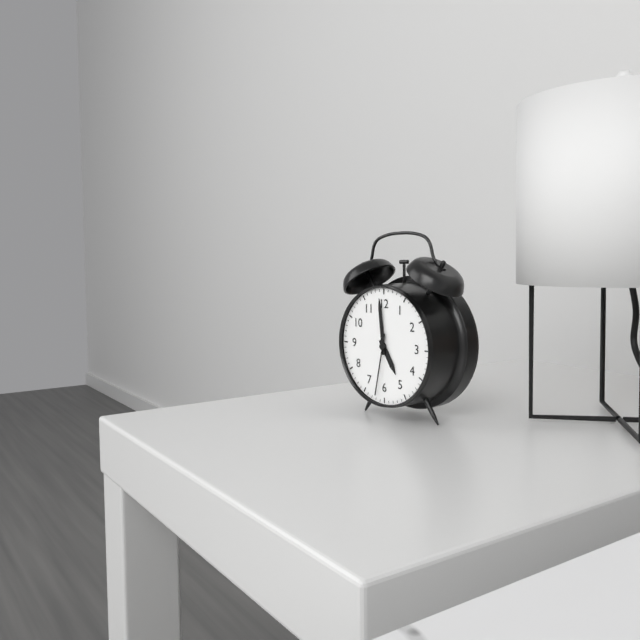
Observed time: 4h59m32s
